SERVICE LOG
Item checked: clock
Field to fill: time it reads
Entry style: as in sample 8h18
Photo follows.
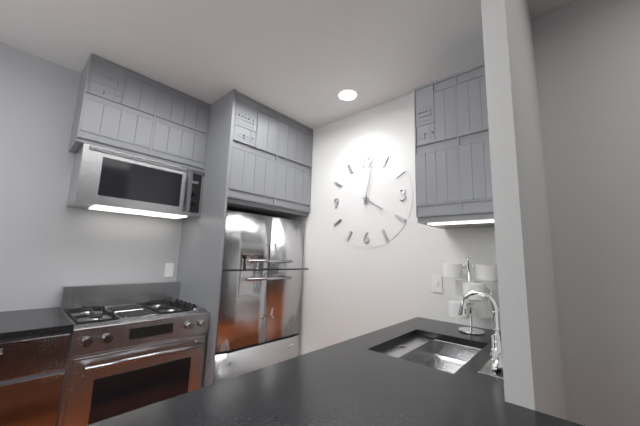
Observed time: 4h02
